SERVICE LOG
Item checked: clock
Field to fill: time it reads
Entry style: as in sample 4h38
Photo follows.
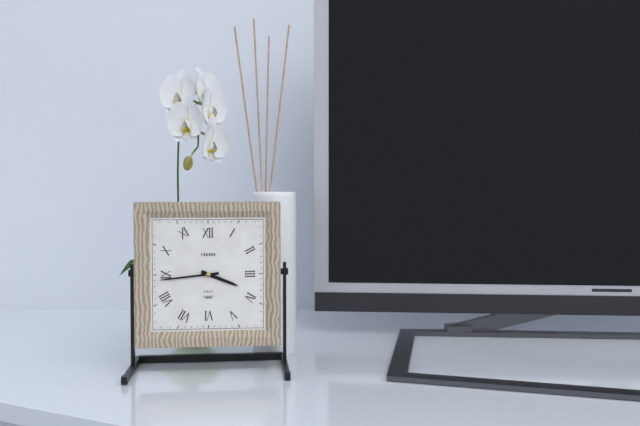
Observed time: 3h44
